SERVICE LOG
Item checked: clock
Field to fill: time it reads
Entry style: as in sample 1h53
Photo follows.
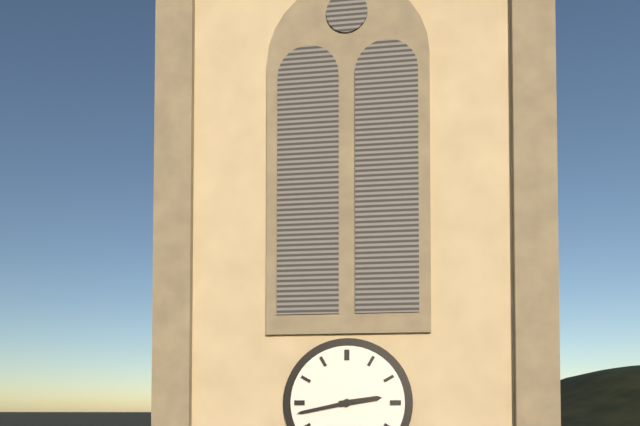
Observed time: 2h43
